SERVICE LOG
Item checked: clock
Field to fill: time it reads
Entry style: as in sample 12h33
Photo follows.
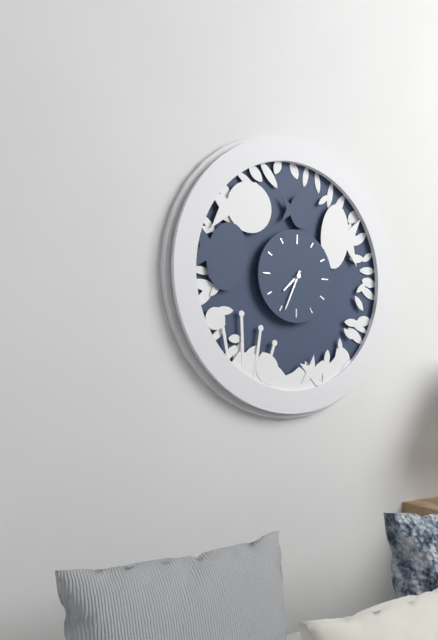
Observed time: 7h34
